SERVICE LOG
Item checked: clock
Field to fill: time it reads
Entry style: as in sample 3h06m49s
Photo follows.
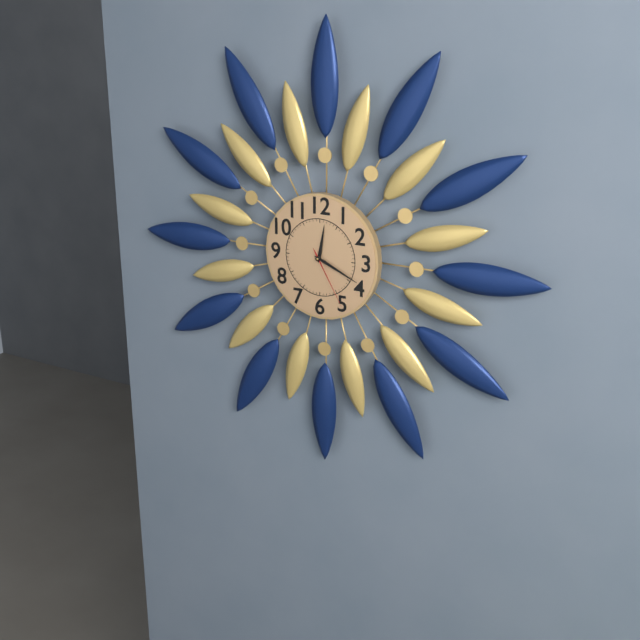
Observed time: 12h19m25s
